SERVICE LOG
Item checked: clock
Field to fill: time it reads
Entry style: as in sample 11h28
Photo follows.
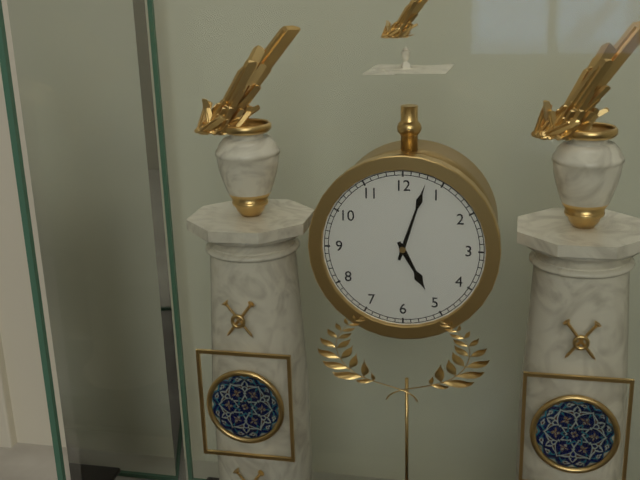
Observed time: 5h03
